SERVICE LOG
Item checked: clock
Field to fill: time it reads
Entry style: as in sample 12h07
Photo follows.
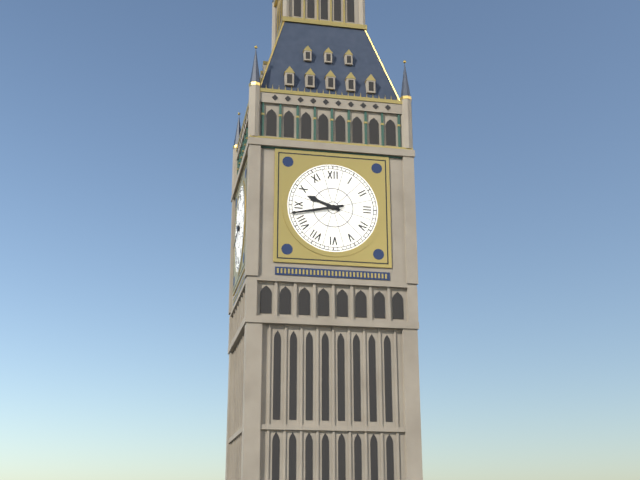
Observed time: 9h43
